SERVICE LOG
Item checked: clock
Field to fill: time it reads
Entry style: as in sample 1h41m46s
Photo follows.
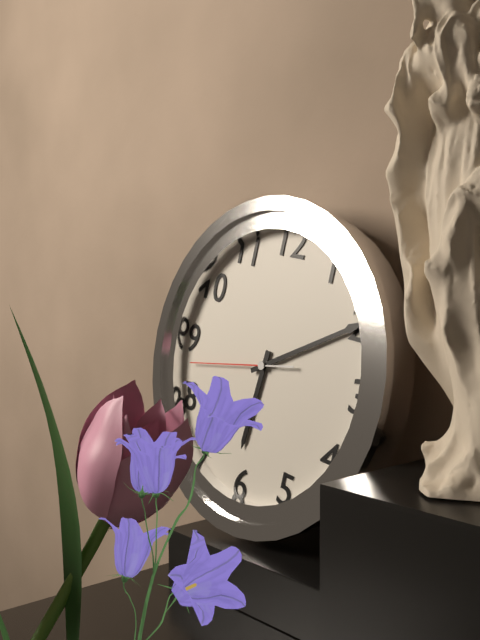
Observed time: 6h10m43s
